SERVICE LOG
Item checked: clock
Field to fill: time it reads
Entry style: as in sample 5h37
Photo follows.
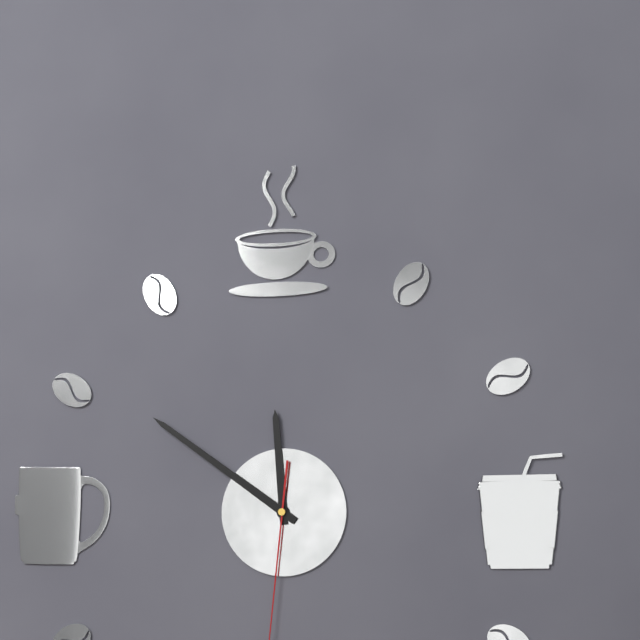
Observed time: 11h51
